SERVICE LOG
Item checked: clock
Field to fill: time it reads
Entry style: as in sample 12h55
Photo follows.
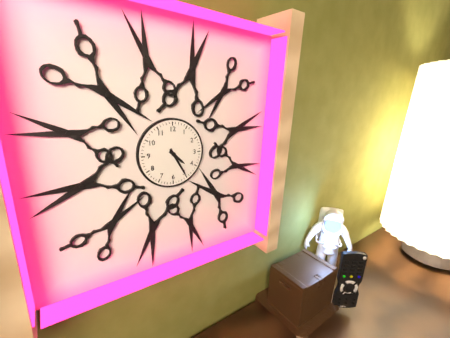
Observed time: 4h25
